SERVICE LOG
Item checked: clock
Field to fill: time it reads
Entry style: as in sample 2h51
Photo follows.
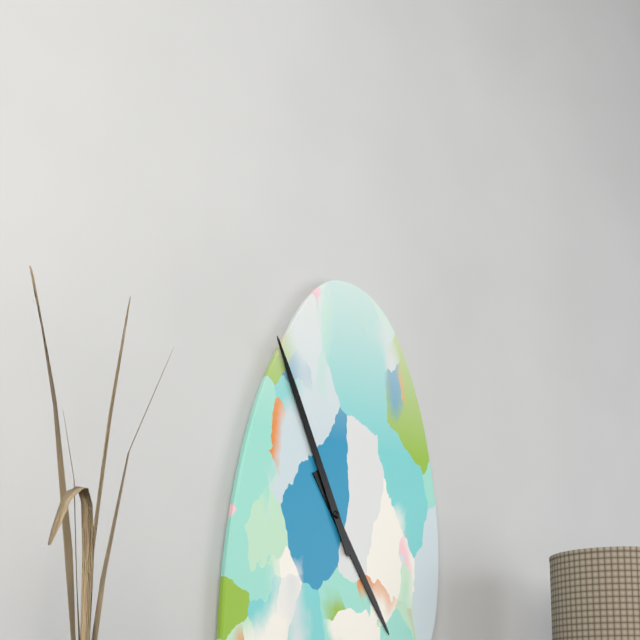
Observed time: 4h56
